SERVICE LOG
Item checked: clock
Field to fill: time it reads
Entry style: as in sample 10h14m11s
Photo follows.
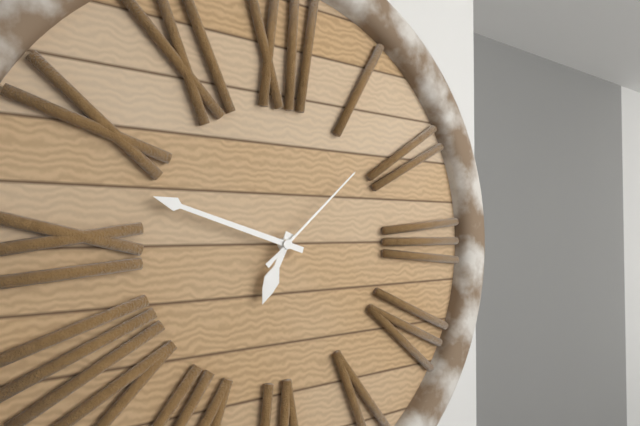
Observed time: 6h48m08s
